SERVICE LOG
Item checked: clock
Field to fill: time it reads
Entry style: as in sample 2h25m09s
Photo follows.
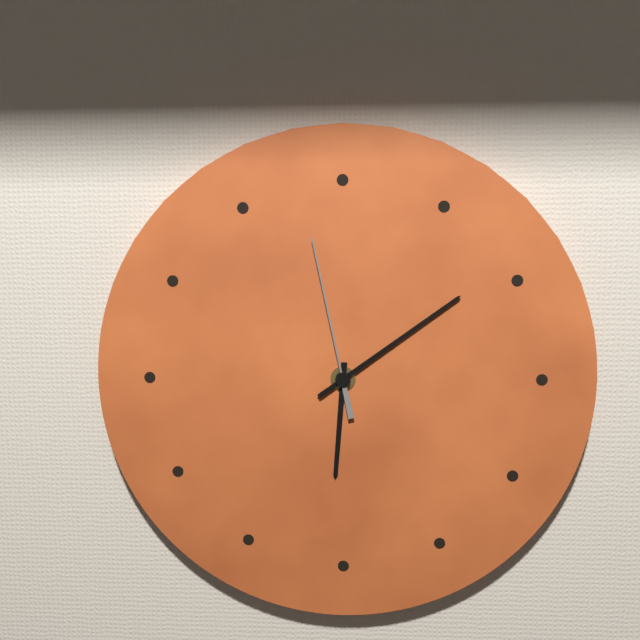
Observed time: 6h09m58s
